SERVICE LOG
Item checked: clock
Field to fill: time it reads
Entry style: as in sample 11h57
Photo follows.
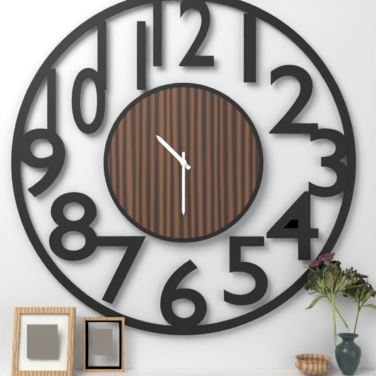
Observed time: 10h30
